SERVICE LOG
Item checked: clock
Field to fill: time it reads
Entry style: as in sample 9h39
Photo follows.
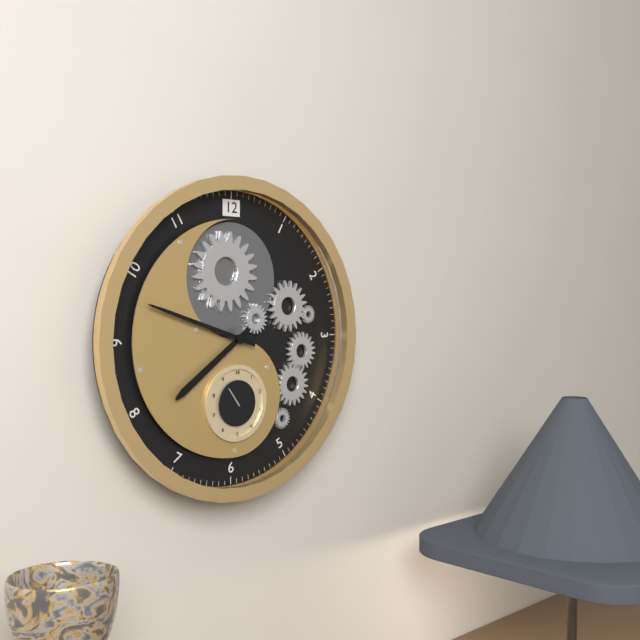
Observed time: 7h48
